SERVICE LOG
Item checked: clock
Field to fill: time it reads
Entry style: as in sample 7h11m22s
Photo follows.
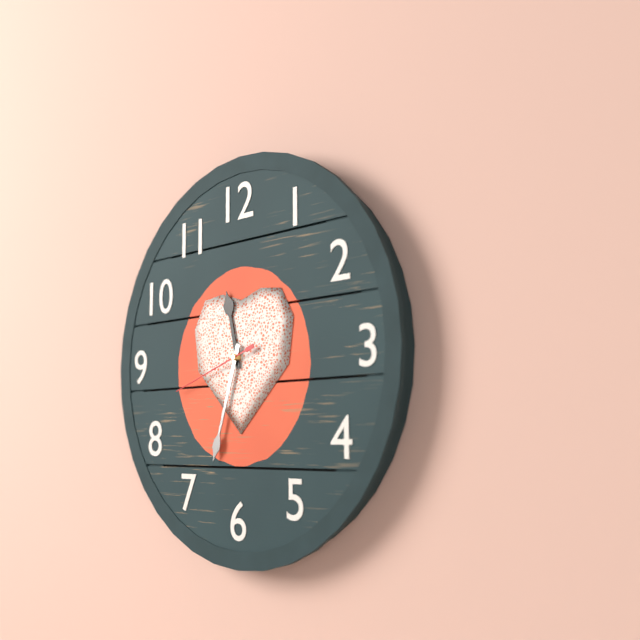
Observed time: 11h33m42s
